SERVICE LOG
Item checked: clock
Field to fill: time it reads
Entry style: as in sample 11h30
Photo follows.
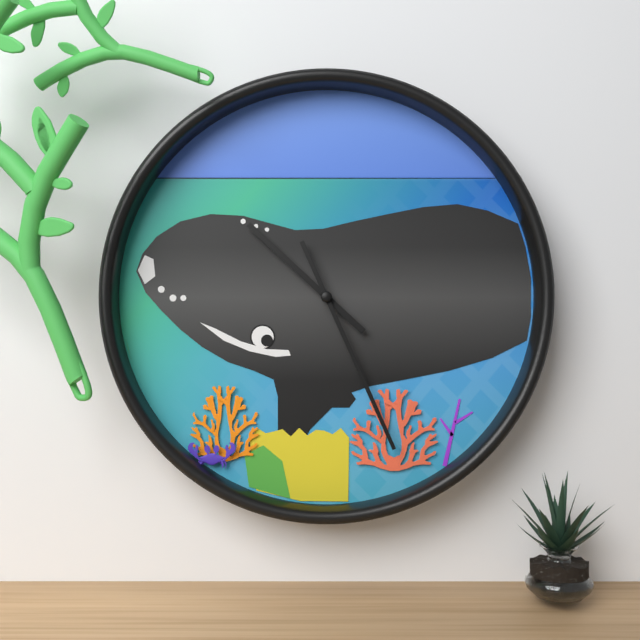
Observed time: 10h26
